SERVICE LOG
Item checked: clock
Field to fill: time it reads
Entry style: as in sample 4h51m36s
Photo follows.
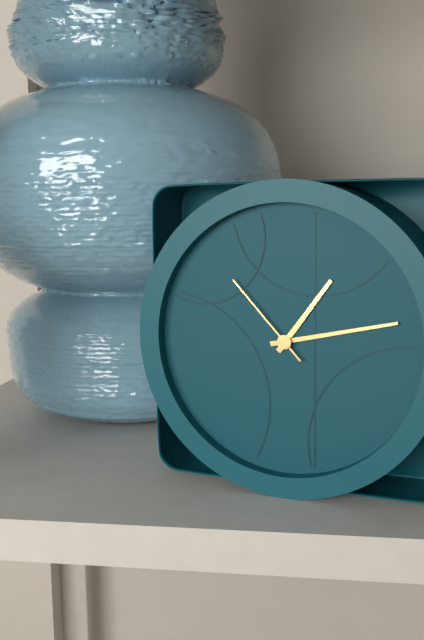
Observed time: 1h13m53s
